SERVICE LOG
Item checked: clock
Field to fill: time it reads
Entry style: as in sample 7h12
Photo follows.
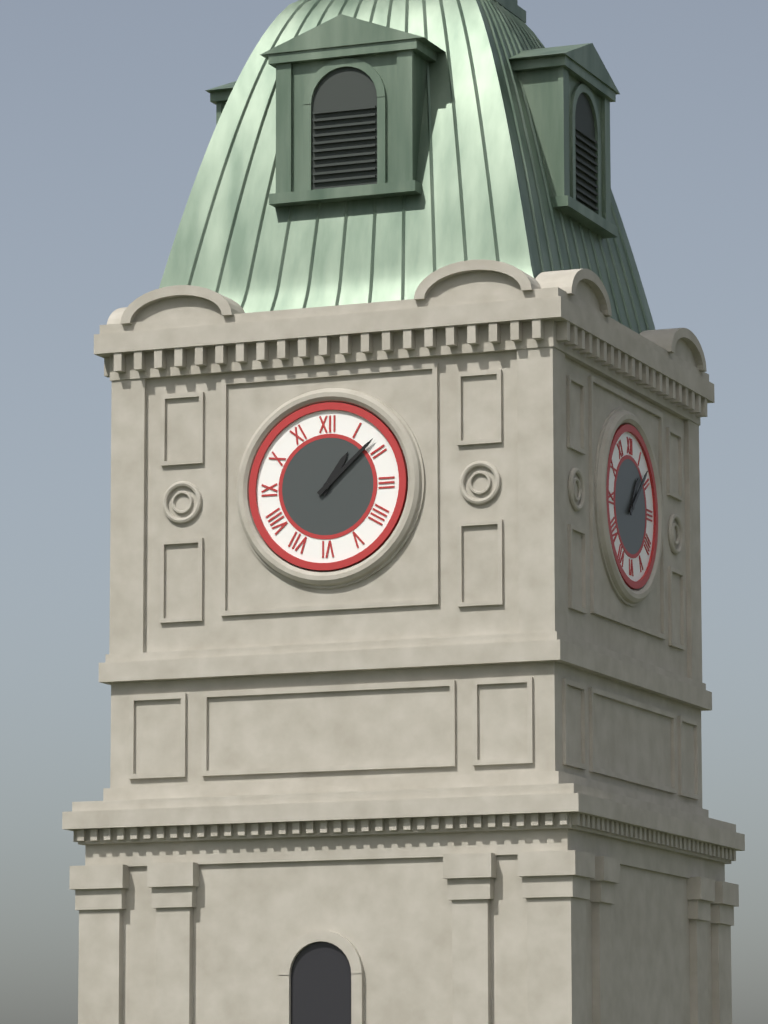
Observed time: 1h08
